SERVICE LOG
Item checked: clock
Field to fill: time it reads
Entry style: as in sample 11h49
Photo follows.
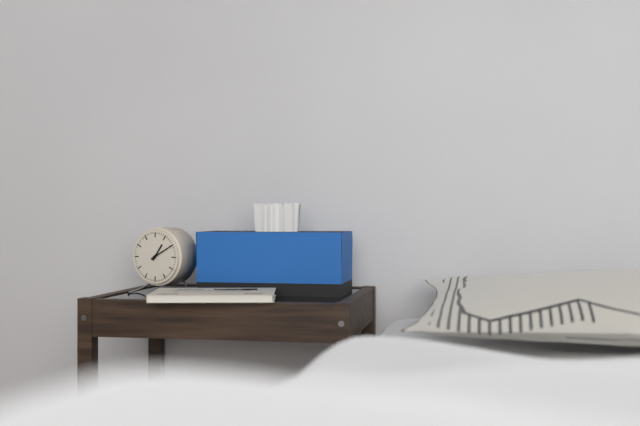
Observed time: 1h10
